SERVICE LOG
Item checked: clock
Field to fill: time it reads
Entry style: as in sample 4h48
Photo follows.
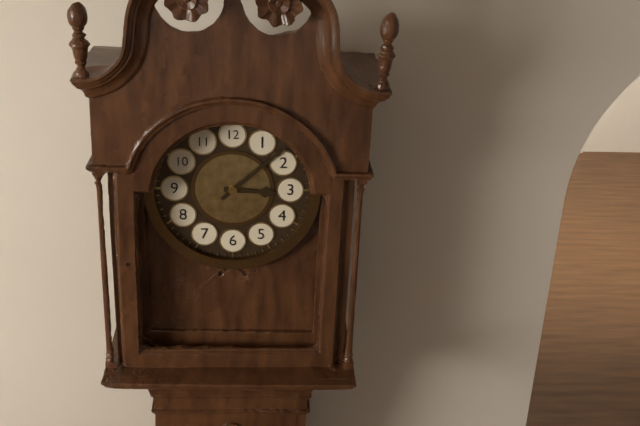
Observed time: 3h08
